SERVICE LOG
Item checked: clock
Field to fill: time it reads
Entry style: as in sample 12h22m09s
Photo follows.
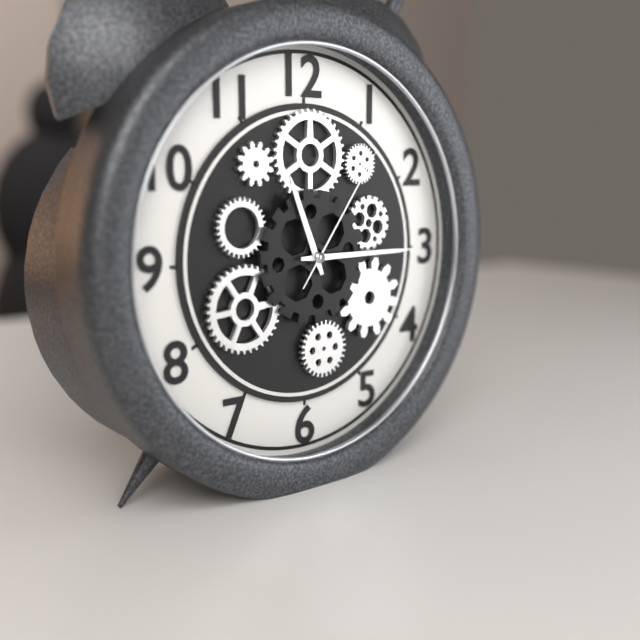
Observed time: 11h15m06s
